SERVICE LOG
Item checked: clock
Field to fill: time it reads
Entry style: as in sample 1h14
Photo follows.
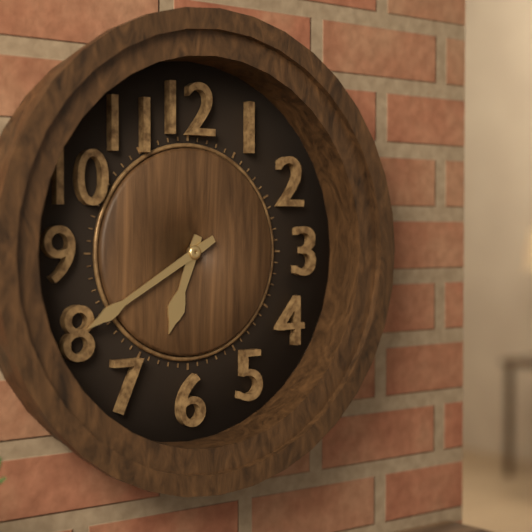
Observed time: 6h40
